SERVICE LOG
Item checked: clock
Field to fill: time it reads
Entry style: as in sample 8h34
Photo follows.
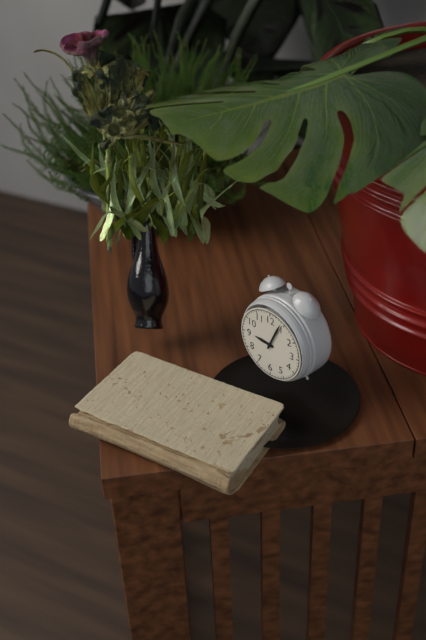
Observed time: 9h04
